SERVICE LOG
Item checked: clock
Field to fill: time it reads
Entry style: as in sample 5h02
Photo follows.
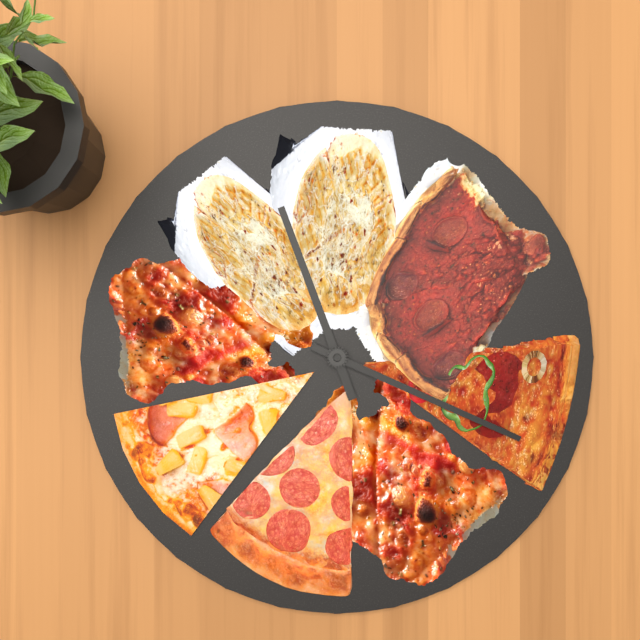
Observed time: 11h19
